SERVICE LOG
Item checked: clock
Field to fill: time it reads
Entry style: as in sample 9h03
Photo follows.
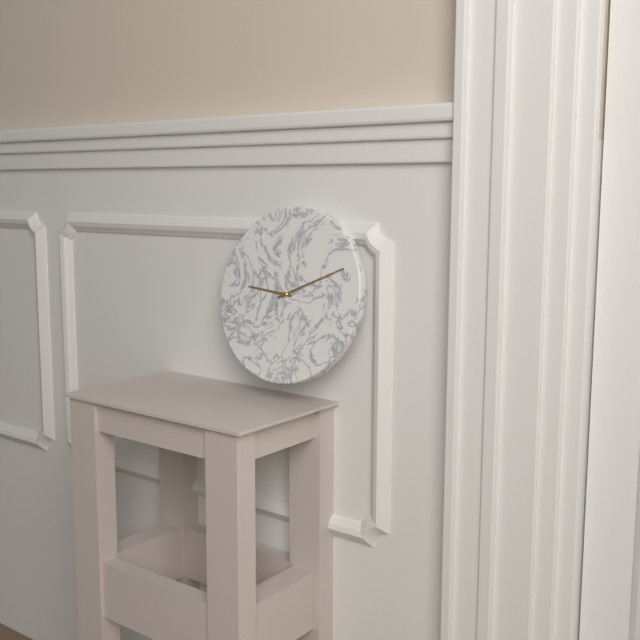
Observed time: 9h11
